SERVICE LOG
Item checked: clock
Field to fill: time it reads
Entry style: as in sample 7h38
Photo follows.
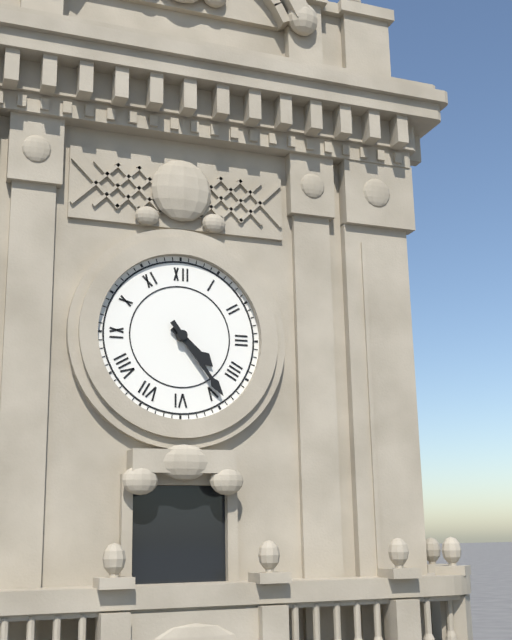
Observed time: 4h24
